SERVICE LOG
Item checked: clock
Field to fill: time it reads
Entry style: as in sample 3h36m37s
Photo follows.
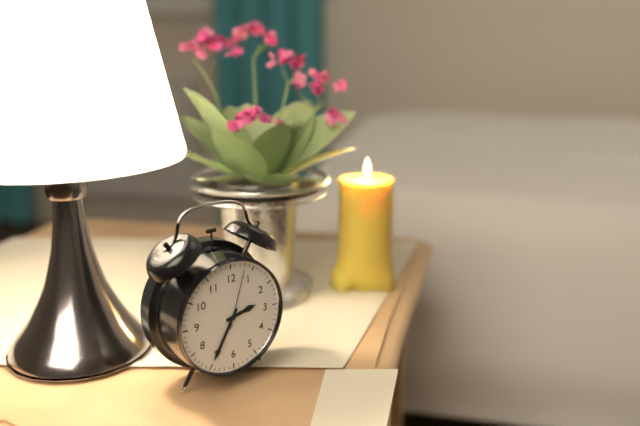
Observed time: 2h35m03s
